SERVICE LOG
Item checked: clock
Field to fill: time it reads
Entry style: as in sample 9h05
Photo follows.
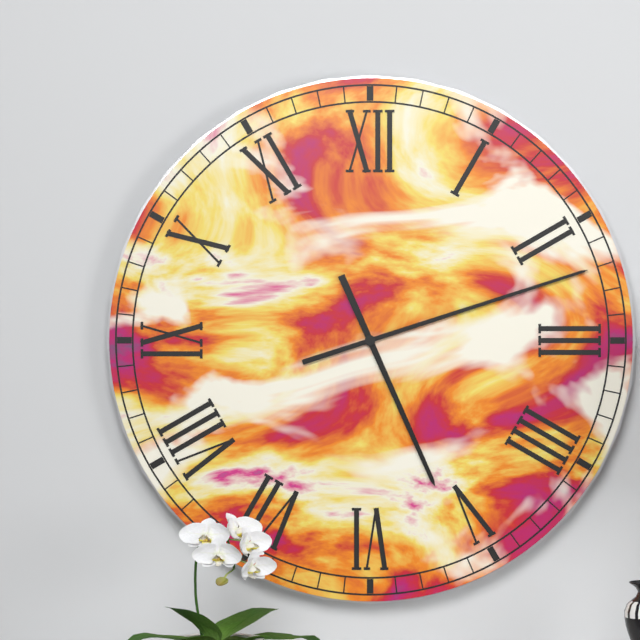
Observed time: 5h12
